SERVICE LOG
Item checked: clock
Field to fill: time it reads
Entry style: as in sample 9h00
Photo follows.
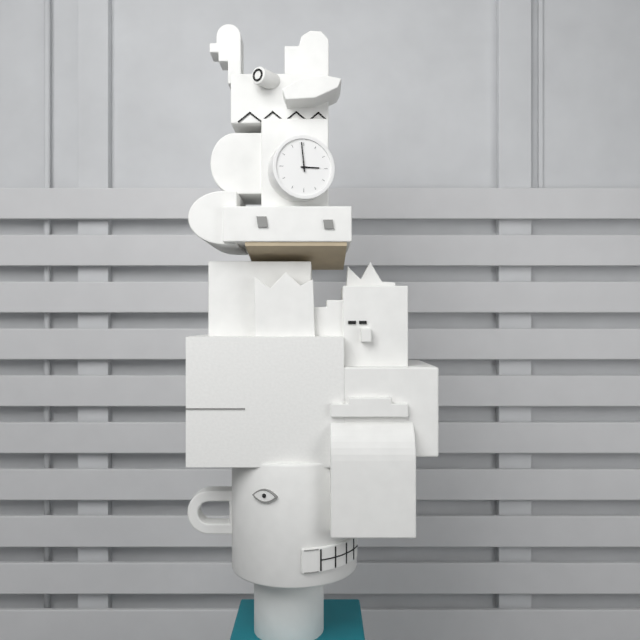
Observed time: 2h59
